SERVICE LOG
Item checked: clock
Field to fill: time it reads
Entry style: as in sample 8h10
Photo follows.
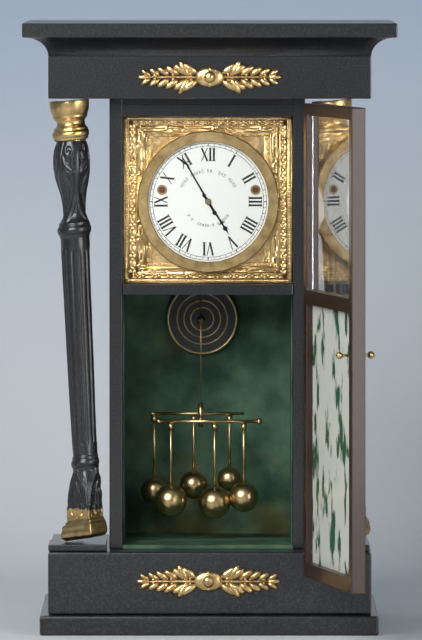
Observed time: 4h55
